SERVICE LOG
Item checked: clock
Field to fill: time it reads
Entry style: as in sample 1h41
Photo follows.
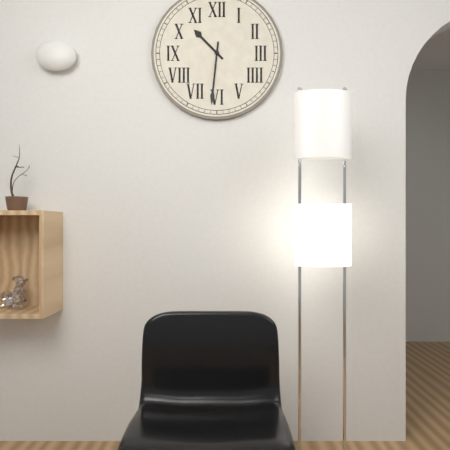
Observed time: 10h31
